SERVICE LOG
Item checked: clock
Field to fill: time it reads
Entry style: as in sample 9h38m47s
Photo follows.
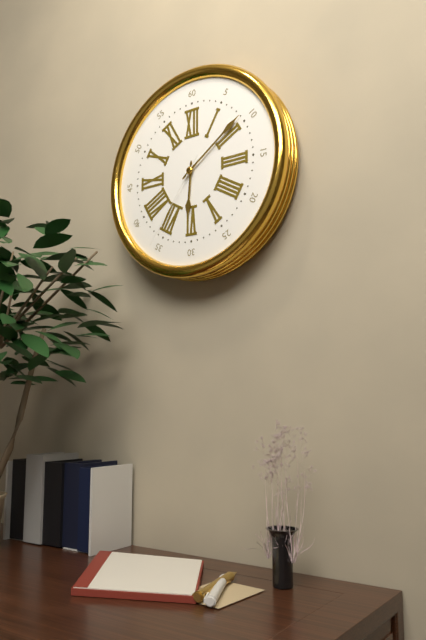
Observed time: 6h09m36s
